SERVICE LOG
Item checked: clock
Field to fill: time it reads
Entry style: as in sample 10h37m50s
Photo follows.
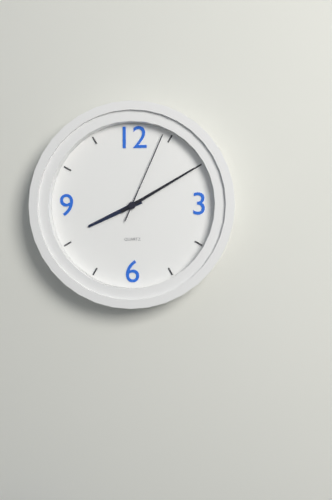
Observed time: 8h10m04s
